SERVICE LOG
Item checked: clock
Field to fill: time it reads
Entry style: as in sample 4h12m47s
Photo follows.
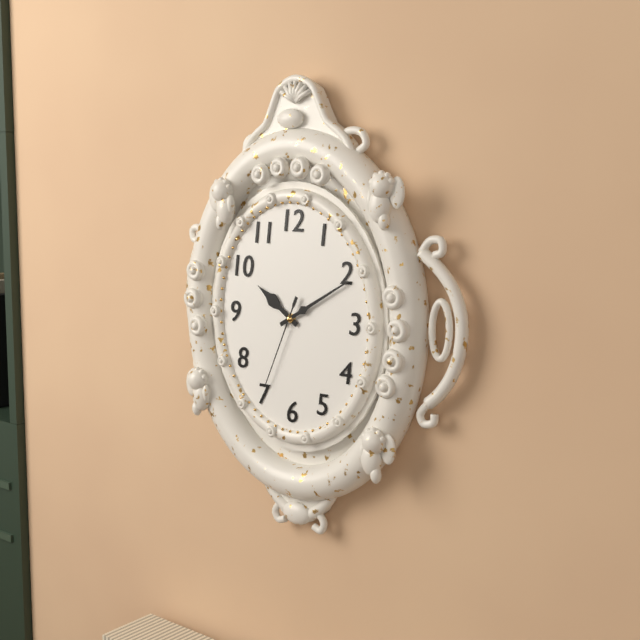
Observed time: 10h10m34s
